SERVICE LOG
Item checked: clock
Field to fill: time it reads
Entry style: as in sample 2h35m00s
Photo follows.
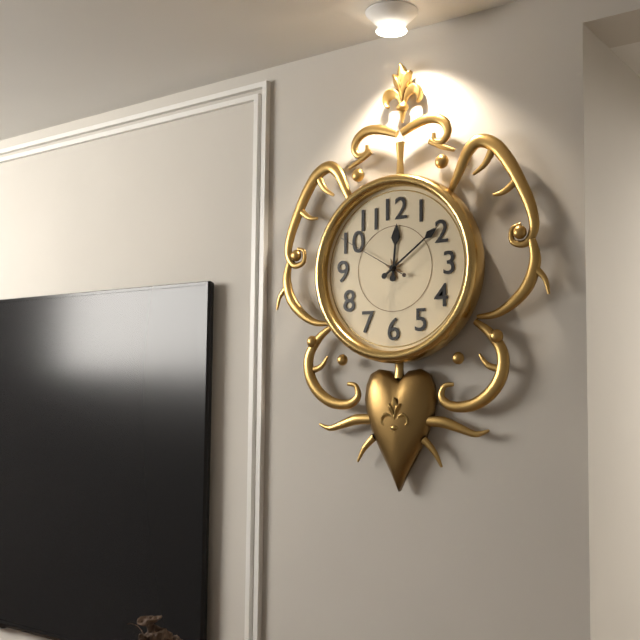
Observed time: 12h09m50s
